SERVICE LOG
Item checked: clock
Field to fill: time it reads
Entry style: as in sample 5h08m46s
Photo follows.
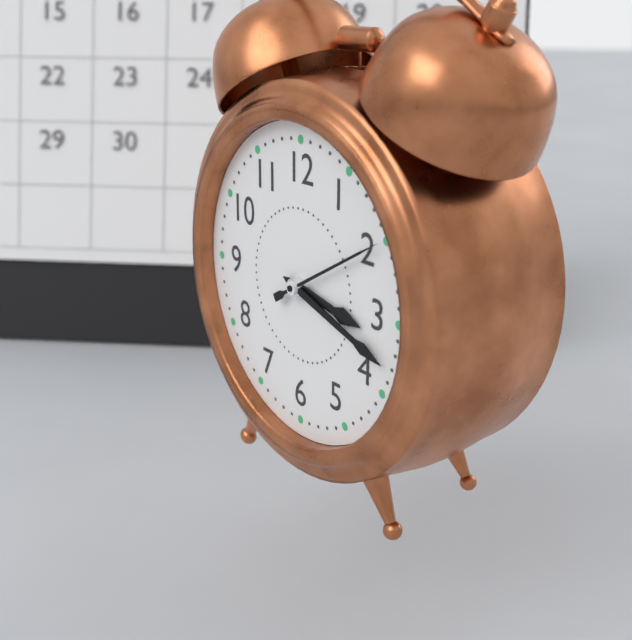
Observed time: 3h18m10s
